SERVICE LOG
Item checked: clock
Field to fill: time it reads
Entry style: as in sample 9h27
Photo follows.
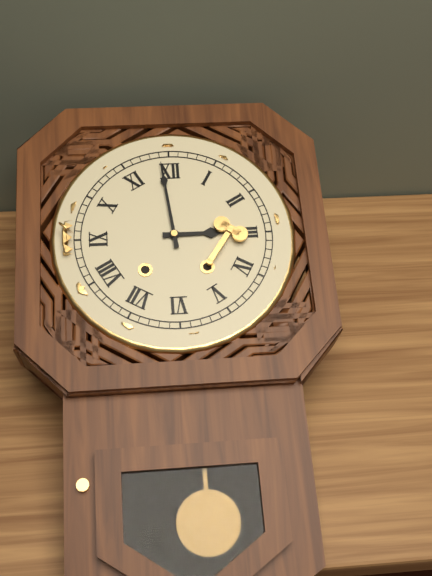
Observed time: 2h59
